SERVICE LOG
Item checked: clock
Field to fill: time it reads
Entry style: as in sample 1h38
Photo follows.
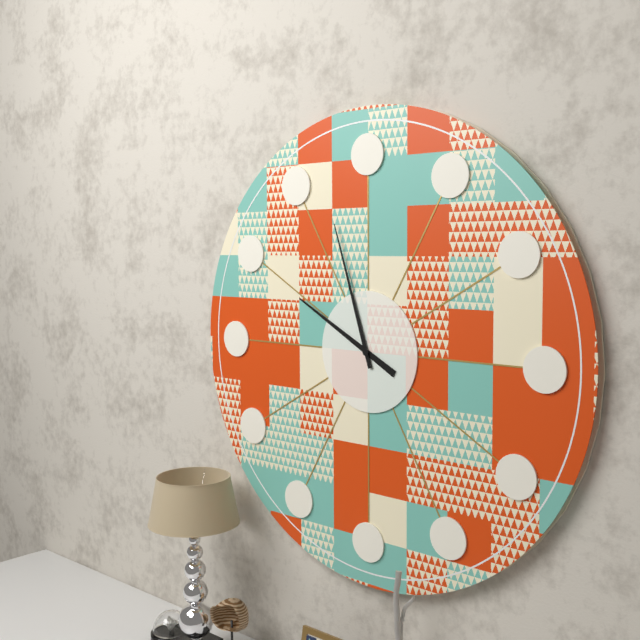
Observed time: 9h57
